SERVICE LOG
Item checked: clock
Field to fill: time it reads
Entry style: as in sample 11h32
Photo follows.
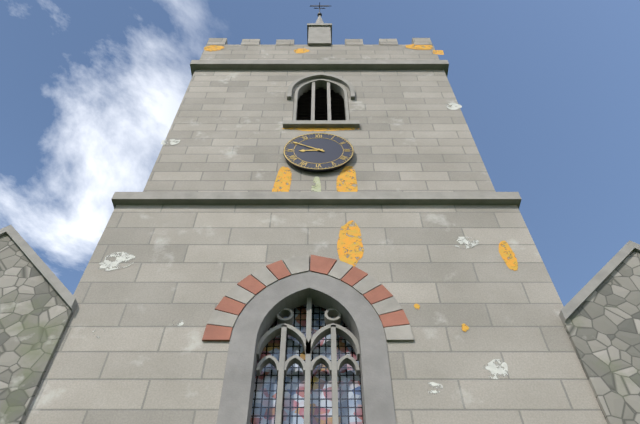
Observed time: 8h50
